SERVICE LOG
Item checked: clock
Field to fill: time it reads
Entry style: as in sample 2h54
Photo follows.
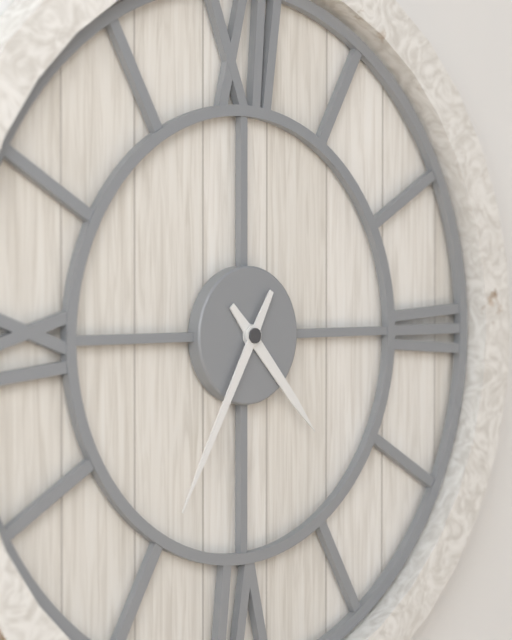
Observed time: 4h35
